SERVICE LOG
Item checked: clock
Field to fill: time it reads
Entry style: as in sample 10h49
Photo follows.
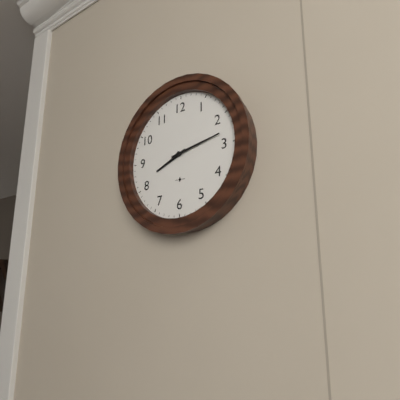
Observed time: 8h13
